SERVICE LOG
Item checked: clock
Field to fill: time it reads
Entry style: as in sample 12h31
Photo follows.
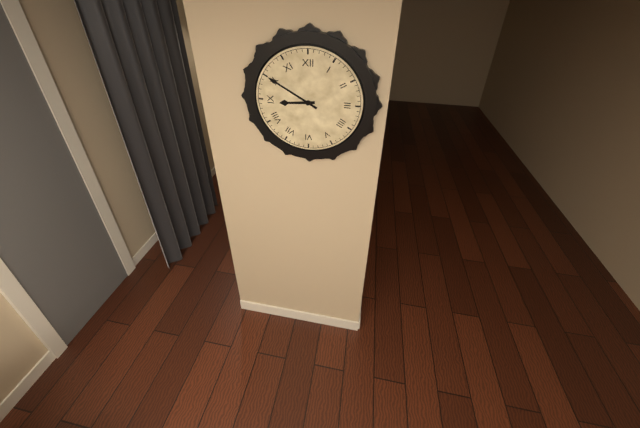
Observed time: 8h50
